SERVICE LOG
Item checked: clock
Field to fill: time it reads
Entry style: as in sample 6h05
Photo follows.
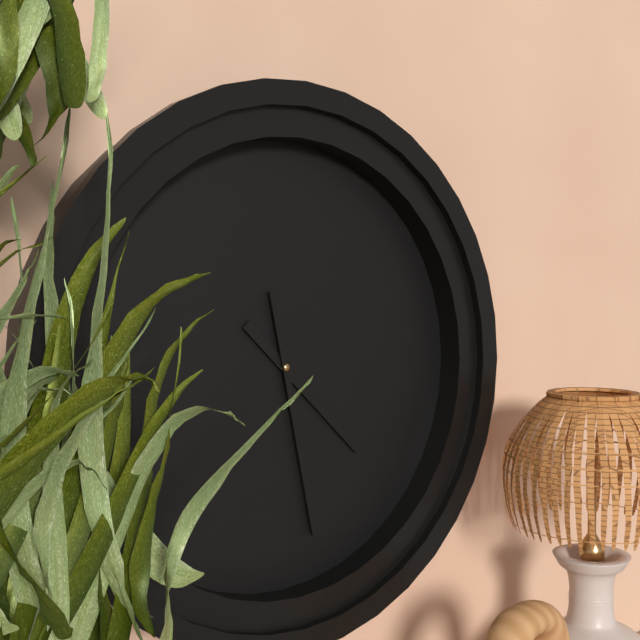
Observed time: 4h28
